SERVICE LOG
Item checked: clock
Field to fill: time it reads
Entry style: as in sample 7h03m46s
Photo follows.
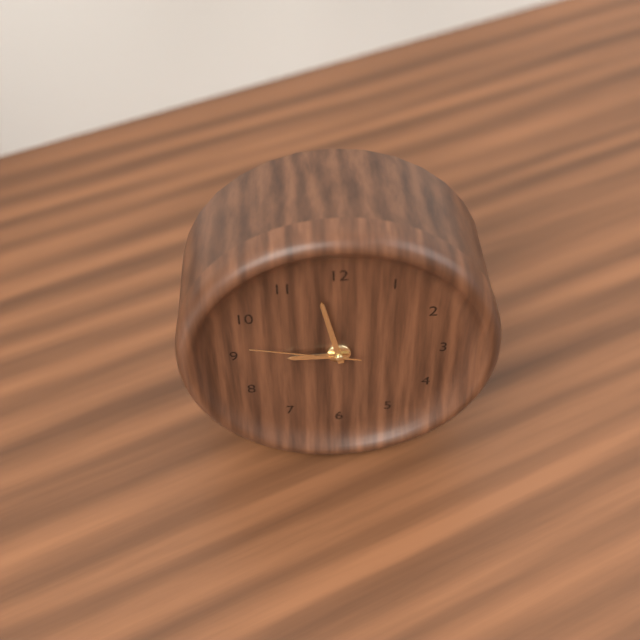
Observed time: 8h58m47s
